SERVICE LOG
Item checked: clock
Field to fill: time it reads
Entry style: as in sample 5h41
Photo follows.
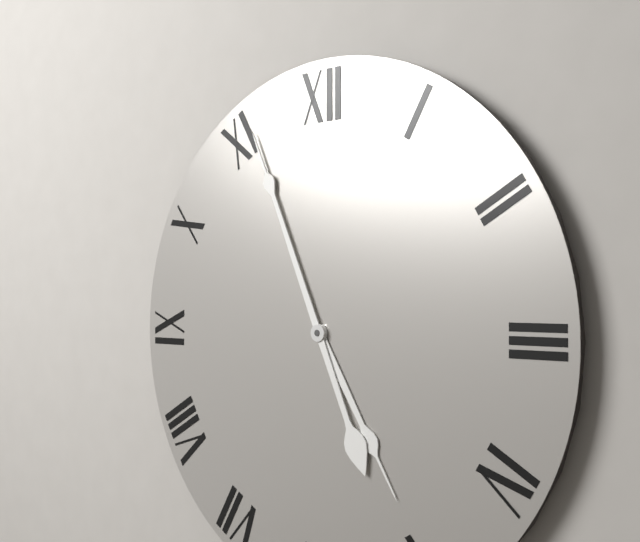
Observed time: 4h56
